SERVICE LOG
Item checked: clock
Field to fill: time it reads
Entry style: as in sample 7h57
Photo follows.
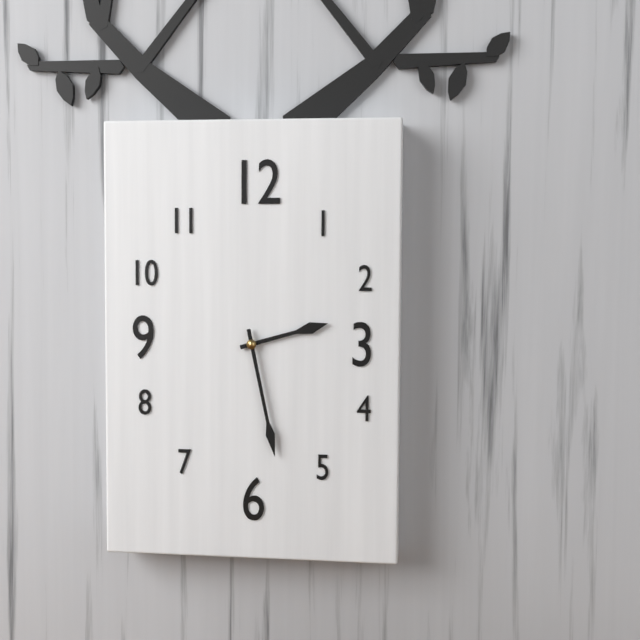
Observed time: 2h28
